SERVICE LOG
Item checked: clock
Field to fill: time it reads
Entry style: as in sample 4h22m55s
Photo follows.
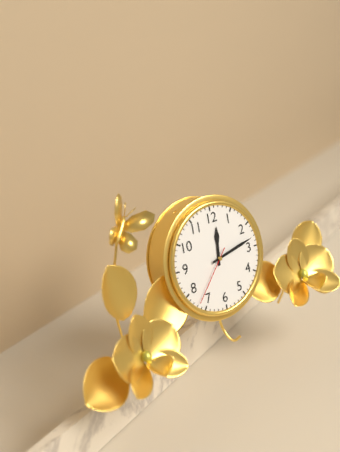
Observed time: 12h13m37s
